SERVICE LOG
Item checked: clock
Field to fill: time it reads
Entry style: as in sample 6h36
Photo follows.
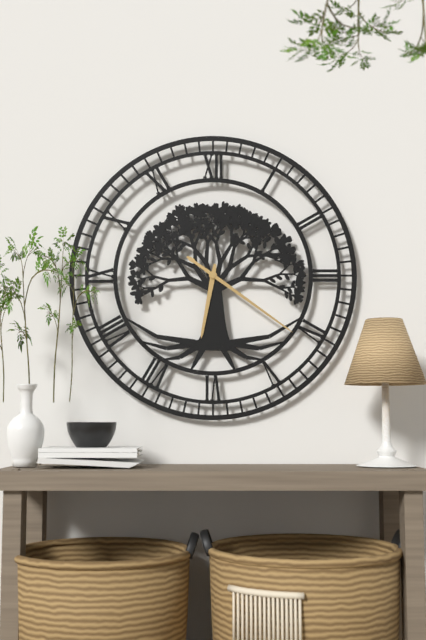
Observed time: 6h21
